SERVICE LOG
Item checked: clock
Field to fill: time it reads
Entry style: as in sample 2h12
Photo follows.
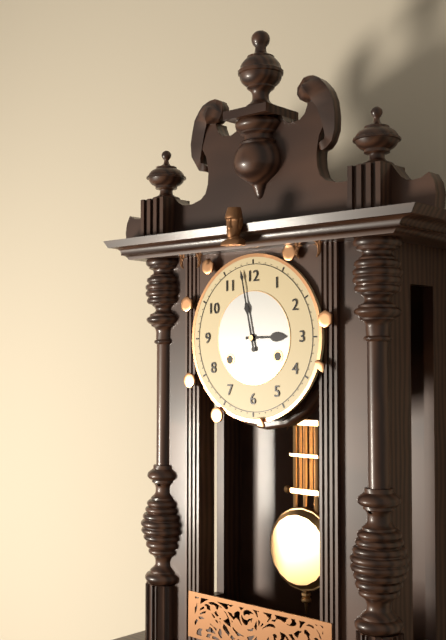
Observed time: 2h58
